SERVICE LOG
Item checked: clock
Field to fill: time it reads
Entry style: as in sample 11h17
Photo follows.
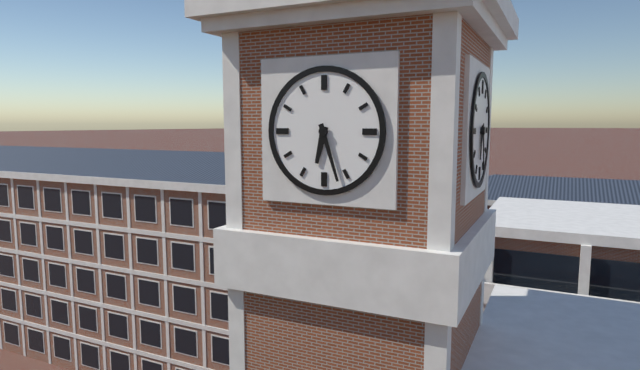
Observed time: 6h27
